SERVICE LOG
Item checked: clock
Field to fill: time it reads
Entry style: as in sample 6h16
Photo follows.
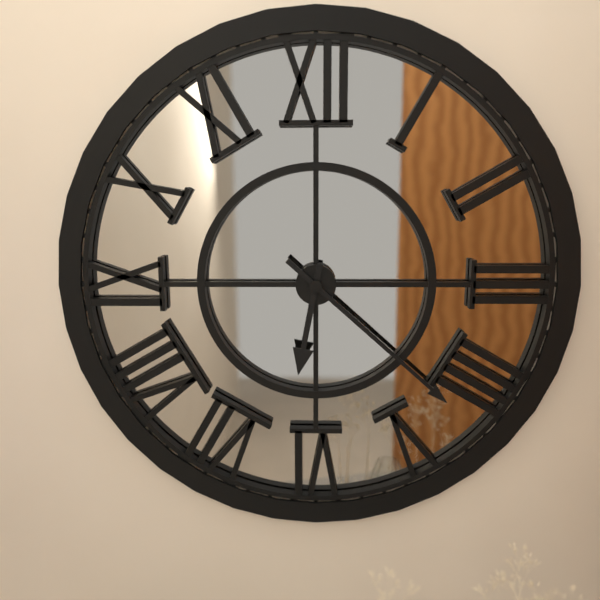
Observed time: 6h22
